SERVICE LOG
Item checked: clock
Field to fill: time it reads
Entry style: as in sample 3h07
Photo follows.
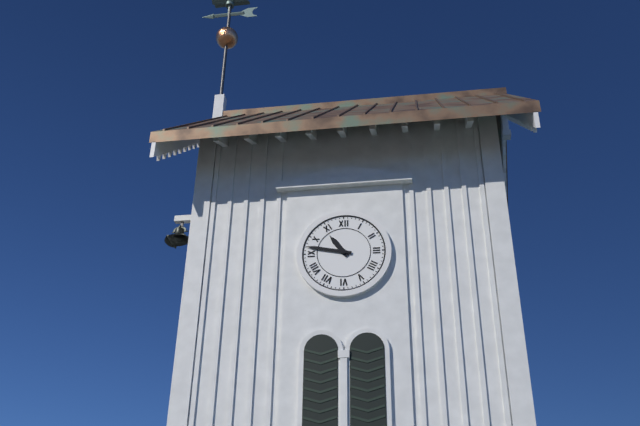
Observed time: 10h47
